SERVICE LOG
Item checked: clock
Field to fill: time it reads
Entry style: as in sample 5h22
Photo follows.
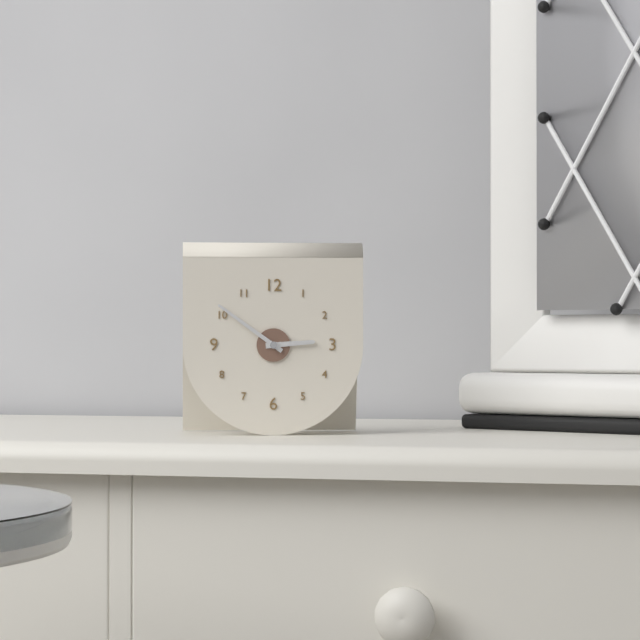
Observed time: 2h51
